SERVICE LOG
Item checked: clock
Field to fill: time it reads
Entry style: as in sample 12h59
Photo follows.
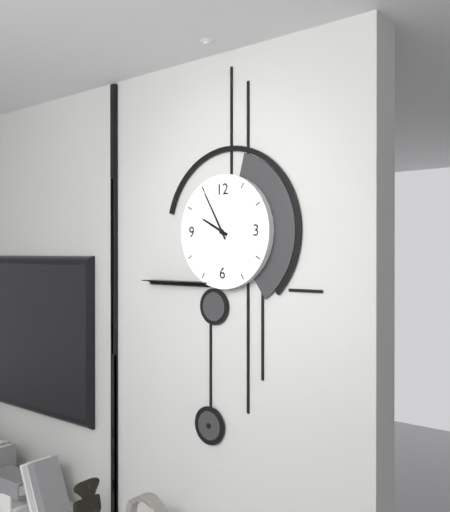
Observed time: 9h55
